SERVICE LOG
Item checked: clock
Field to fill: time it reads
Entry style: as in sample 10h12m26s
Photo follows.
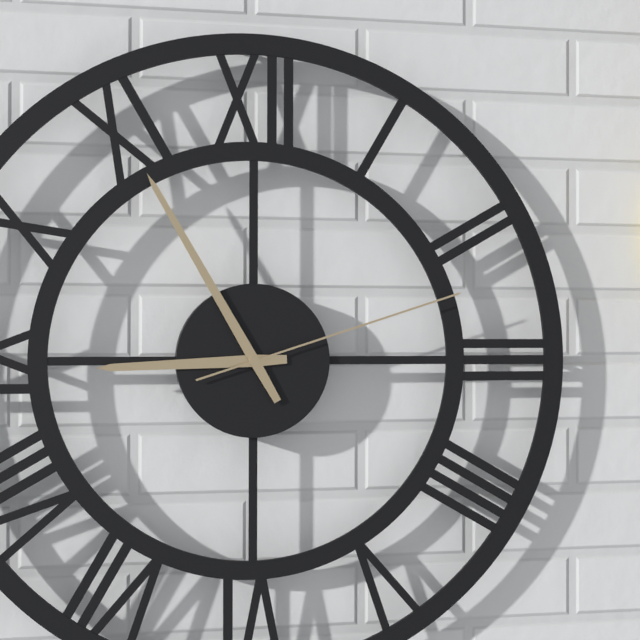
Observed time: 8h55m12s
